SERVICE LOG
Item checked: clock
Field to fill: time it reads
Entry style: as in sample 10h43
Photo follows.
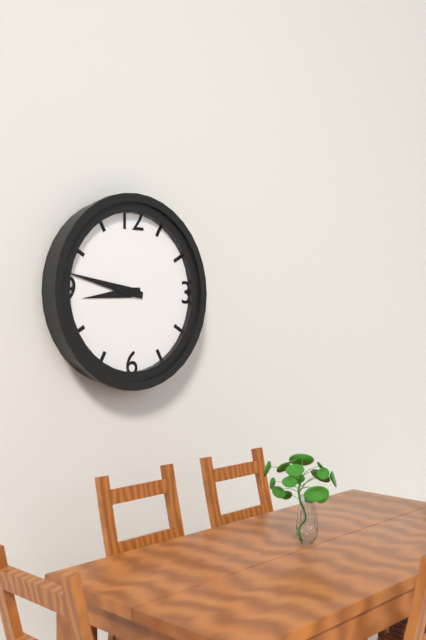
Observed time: 8h47
